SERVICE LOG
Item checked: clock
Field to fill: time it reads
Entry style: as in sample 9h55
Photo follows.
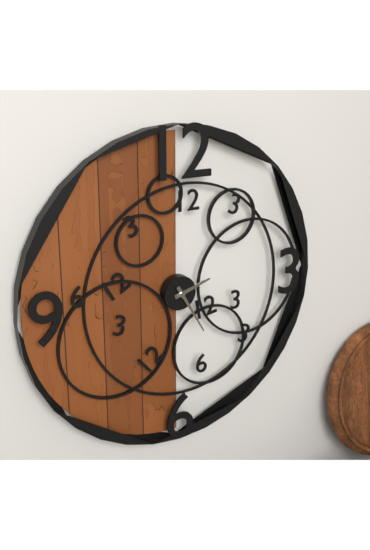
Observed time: 2h25
